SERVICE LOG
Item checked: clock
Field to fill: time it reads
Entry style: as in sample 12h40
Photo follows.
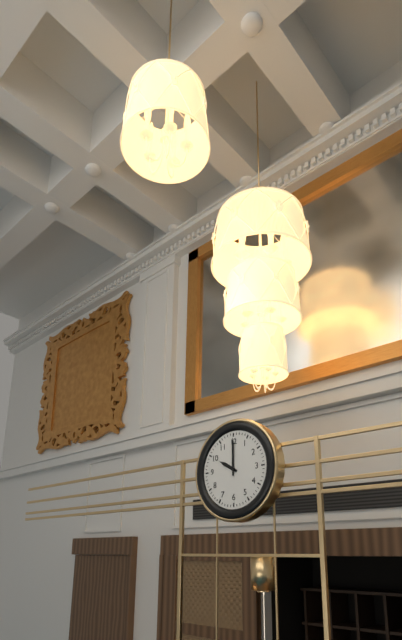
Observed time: 10h00
